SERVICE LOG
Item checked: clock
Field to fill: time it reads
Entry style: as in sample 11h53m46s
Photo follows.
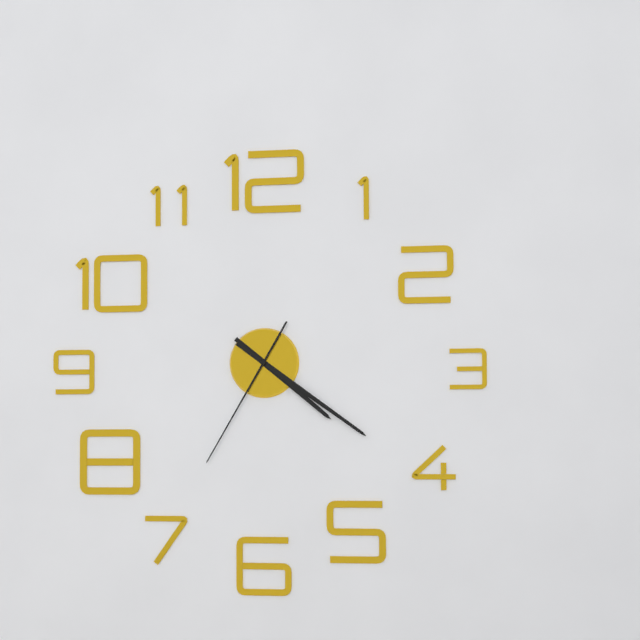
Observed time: 4h21m35s
